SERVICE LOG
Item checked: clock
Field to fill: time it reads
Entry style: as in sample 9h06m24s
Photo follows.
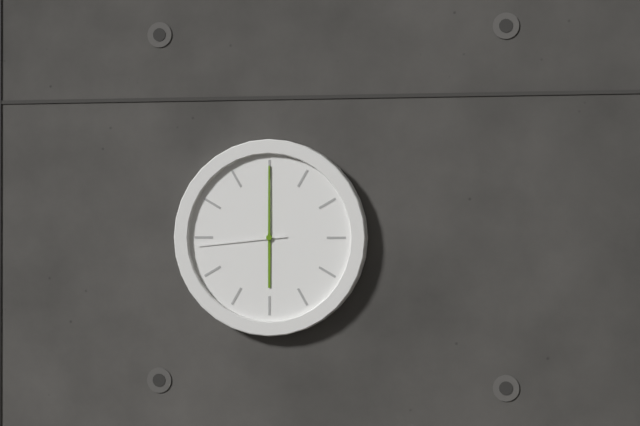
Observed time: 6h00m44s
